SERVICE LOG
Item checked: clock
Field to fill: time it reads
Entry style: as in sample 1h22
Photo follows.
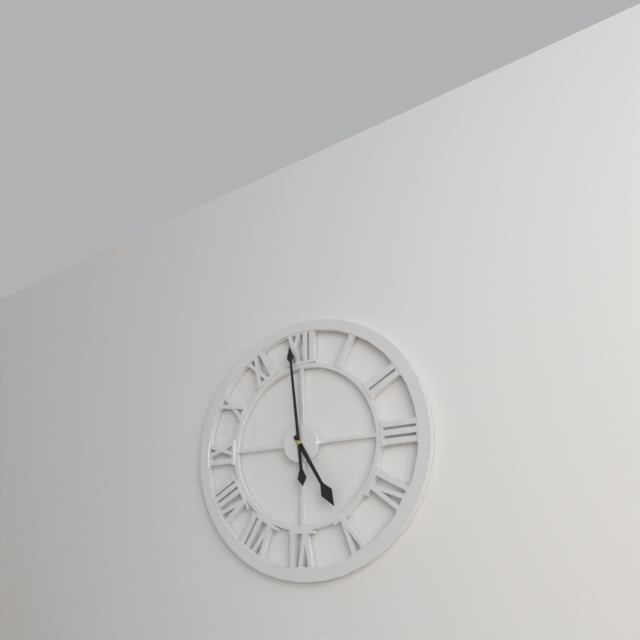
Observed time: 4h59
